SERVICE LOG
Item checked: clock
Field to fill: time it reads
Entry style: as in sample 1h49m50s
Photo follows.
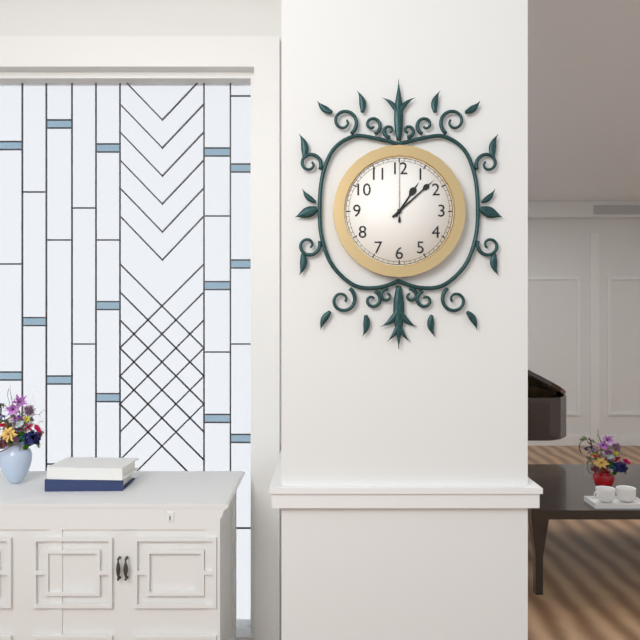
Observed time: 1h08m00s
